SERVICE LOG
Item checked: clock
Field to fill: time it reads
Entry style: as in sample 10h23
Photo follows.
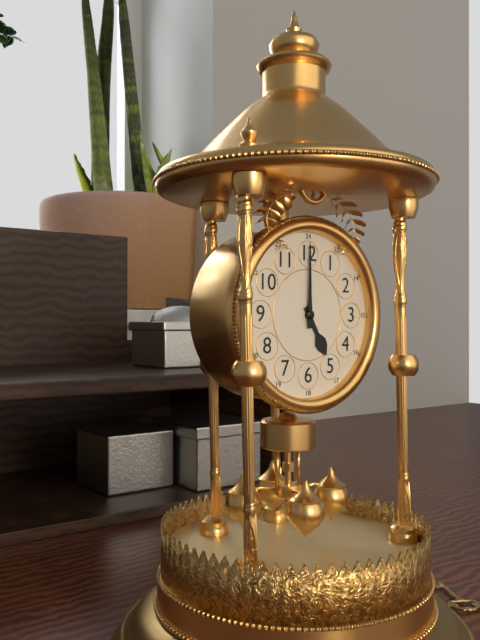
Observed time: 5h00
